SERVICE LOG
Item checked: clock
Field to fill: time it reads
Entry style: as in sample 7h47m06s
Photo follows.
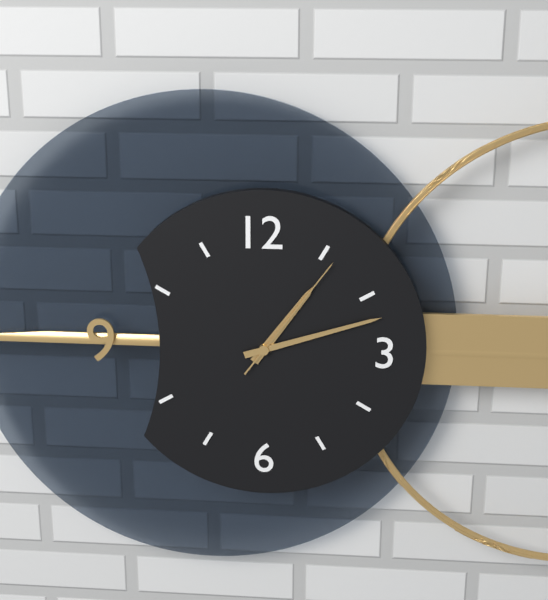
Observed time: 1h12m06s
